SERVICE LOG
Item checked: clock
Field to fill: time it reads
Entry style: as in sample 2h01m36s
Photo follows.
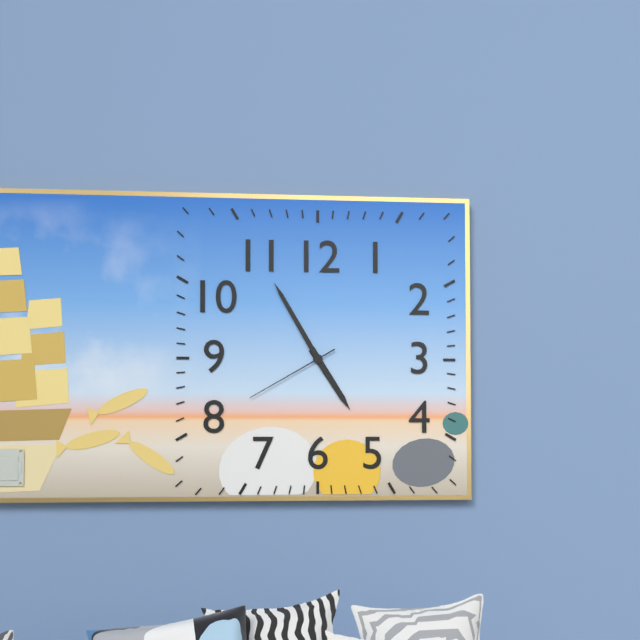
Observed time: 4h55m40s
